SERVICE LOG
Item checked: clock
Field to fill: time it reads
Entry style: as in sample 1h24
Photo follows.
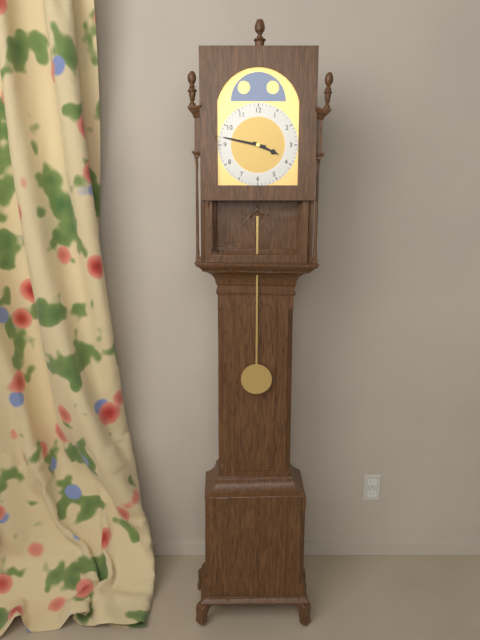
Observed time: 3h47
